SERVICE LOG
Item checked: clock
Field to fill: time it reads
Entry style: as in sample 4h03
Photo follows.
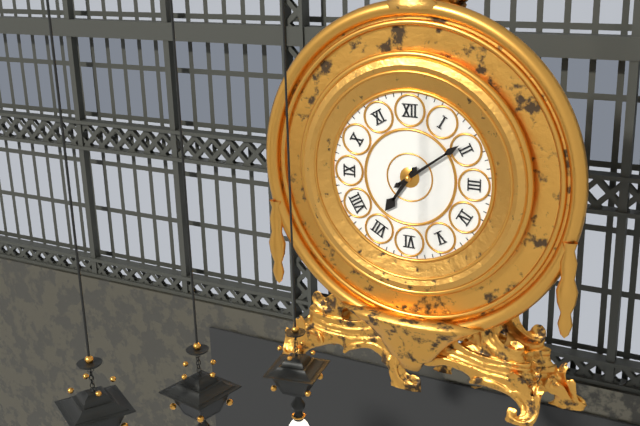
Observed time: 7h09
